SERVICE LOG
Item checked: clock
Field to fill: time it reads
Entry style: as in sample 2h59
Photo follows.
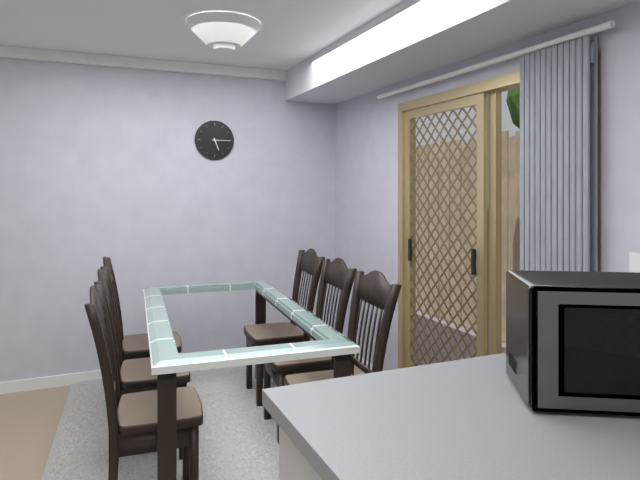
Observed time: 5h15
